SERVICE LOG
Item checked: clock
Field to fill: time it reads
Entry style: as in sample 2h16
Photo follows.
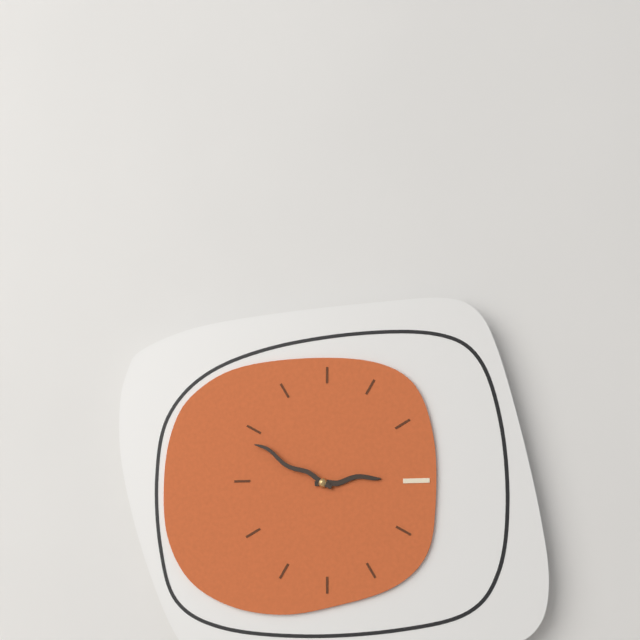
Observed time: 2h50
